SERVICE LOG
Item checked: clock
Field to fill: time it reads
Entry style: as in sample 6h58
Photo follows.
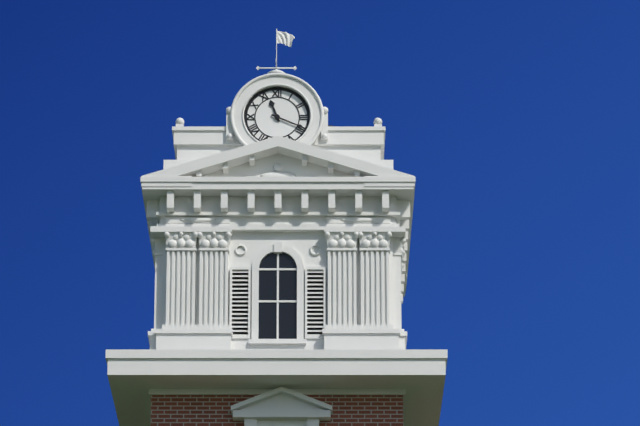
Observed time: 11h19
